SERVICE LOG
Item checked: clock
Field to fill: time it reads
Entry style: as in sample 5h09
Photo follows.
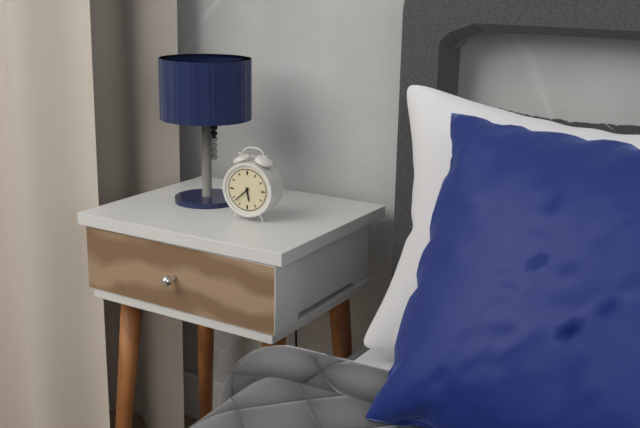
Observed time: 5h38
